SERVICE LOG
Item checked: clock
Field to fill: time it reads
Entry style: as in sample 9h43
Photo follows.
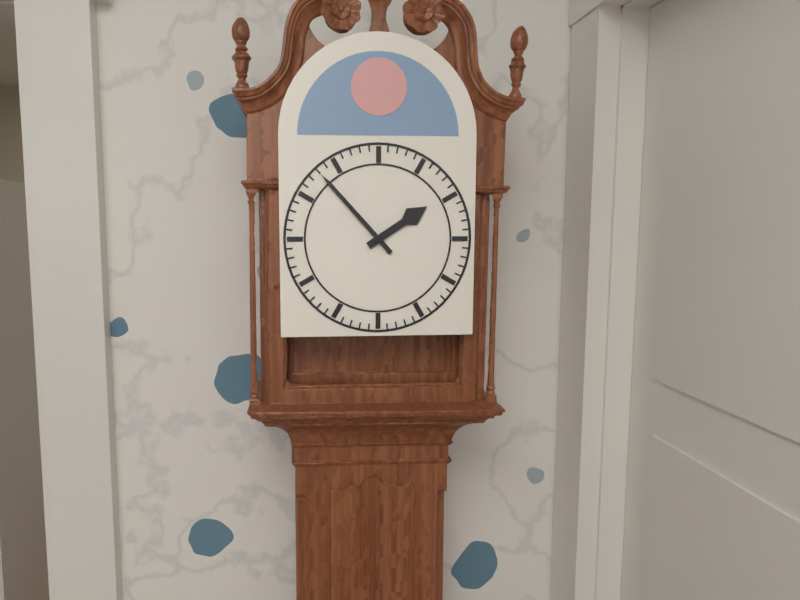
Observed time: 1h53
